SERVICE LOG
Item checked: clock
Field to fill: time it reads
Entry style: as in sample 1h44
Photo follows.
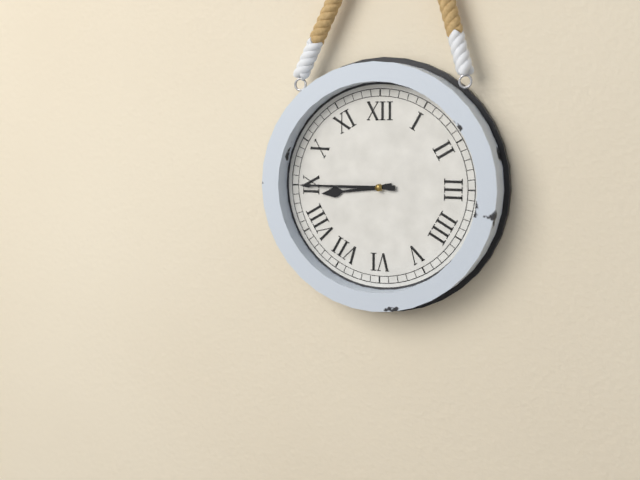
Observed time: 8h45
